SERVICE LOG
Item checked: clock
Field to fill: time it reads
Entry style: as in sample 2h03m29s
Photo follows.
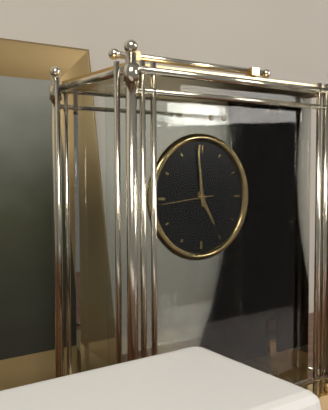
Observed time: 4h59m44s
